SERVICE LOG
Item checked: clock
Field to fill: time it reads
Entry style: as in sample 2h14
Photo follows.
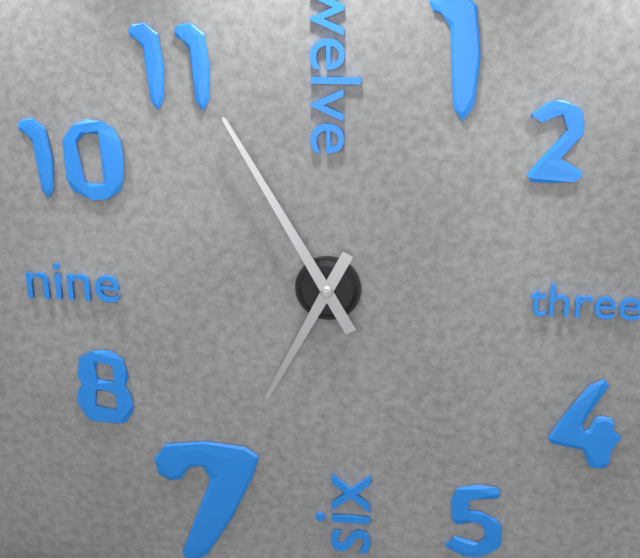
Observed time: 6h55
